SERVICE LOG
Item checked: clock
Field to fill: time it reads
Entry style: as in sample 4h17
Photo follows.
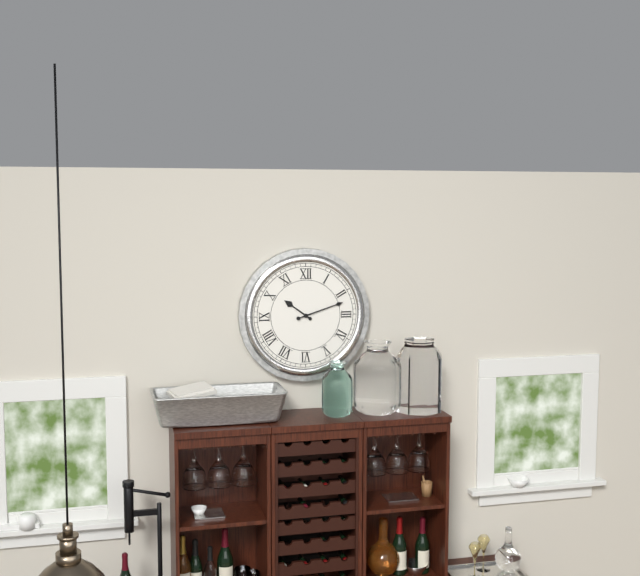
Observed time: 10h12
